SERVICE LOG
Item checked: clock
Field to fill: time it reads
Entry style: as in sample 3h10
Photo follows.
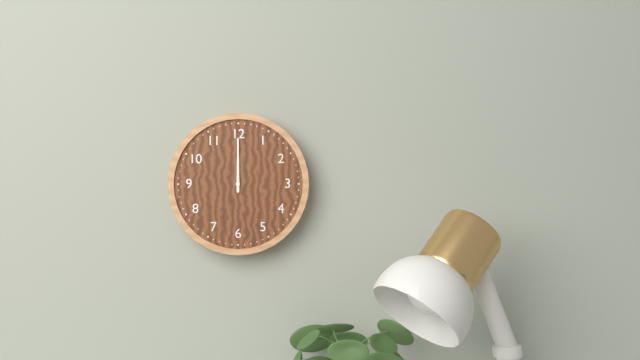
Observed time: 12h00
